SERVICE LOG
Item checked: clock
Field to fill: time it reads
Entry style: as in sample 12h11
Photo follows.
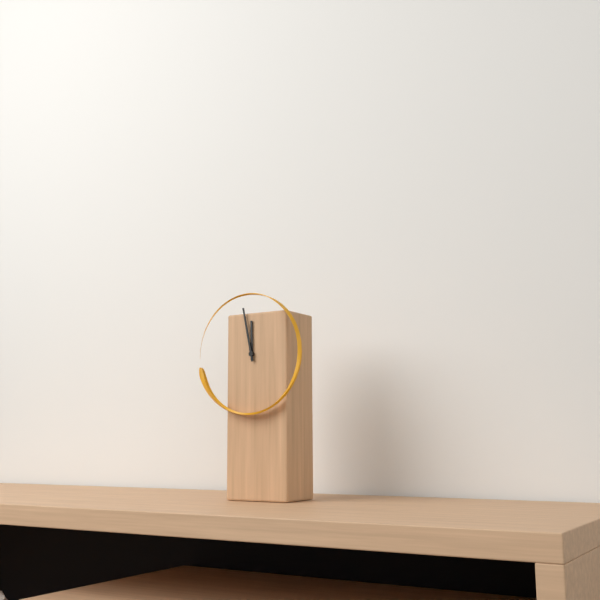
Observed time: 11h58
